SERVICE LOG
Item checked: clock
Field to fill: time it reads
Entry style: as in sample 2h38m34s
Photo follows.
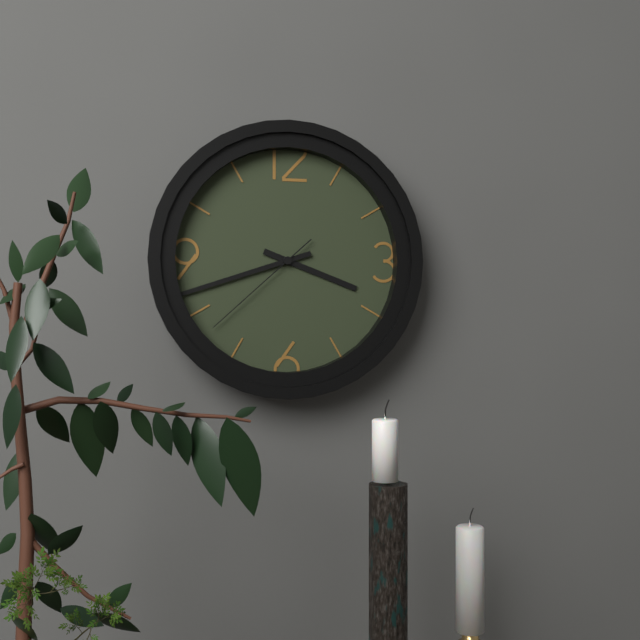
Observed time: 3h42m38s
